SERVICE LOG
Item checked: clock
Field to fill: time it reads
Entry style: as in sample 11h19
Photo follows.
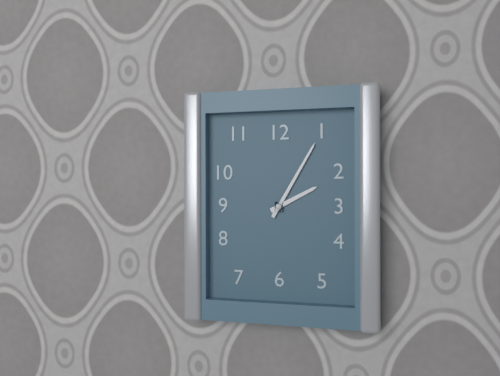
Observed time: 2h05
